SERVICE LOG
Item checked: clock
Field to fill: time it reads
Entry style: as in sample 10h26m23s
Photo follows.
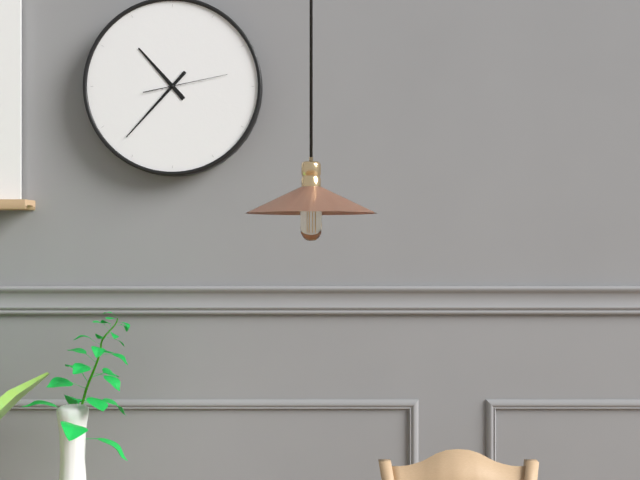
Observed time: 10h37m13s
